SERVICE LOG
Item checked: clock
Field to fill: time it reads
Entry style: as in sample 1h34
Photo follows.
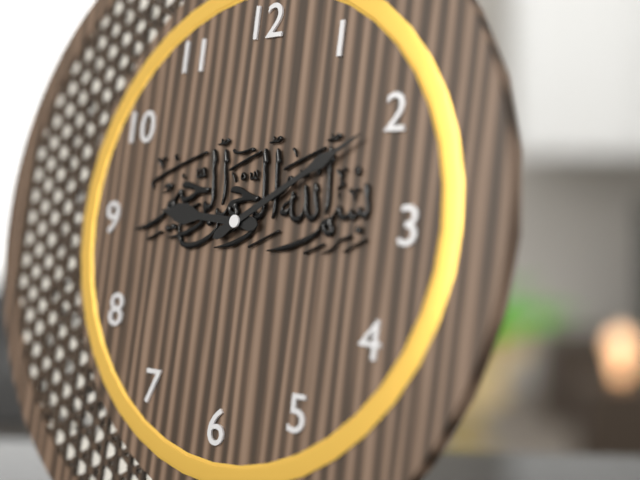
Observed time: 9h10
